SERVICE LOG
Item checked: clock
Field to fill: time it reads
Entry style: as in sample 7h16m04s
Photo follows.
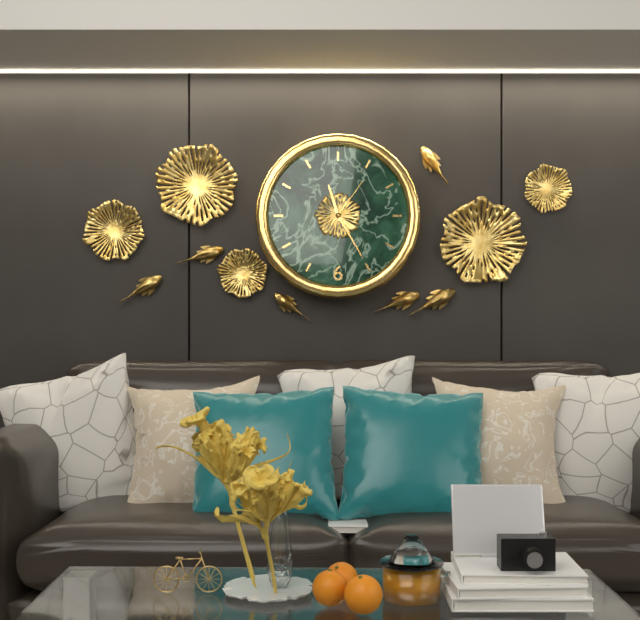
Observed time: 11h25m06s
